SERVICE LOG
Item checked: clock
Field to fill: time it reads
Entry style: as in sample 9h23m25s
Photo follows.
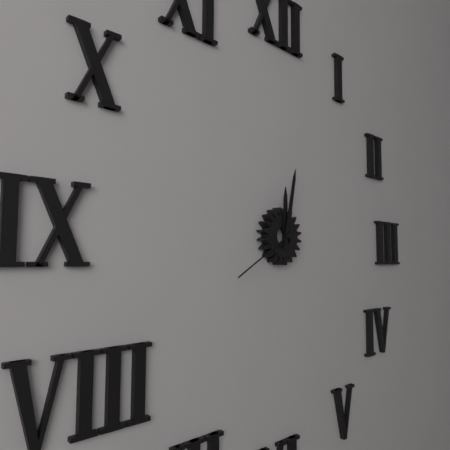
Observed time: 12h02m40s
